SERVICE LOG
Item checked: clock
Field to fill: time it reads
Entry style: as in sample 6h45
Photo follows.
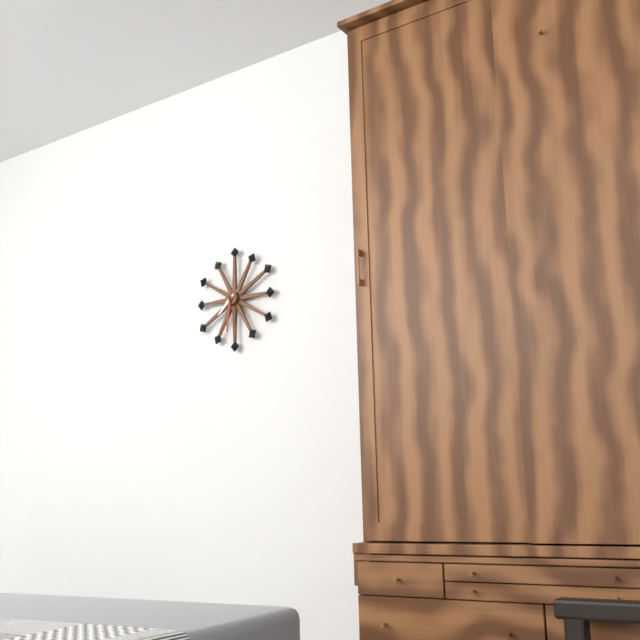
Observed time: 7h31
